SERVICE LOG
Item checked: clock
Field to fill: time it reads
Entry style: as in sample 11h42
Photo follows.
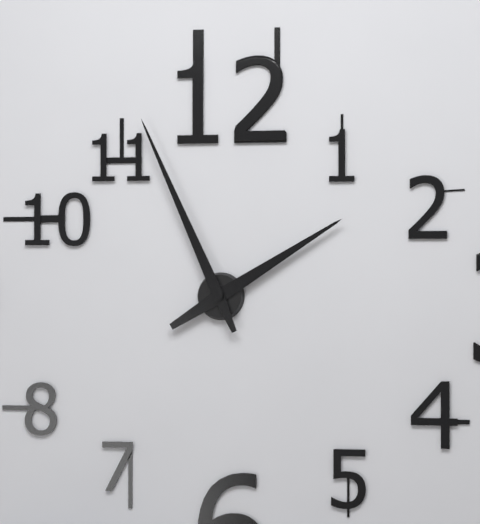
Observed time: 1h56
